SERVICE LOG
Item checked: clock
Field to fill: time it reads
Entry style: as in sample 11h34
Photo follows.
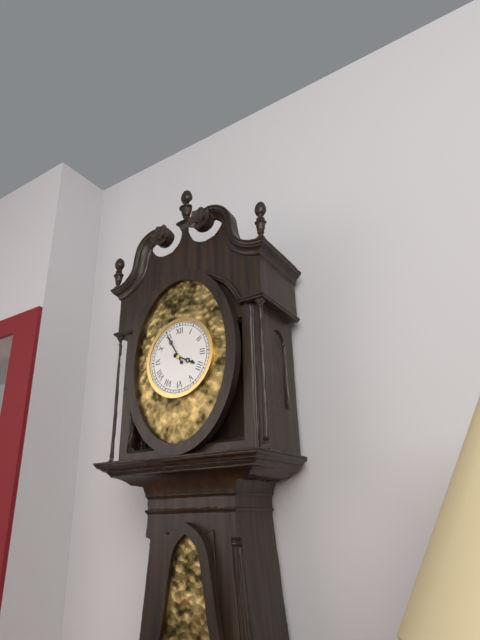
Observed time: 3h55
